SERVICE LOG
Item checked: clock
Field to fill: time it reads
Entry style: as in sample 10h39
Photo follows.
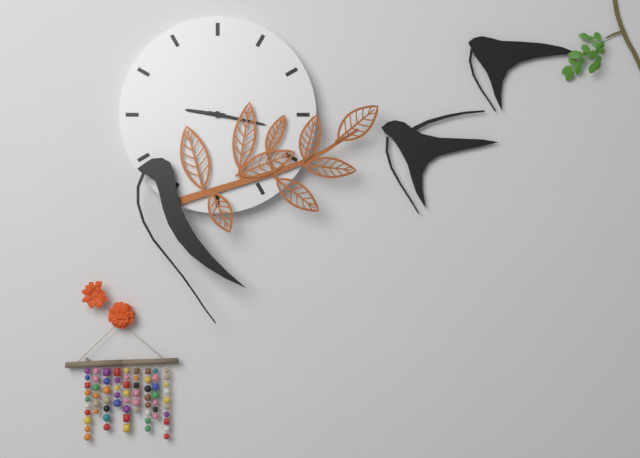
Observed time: 9h17
